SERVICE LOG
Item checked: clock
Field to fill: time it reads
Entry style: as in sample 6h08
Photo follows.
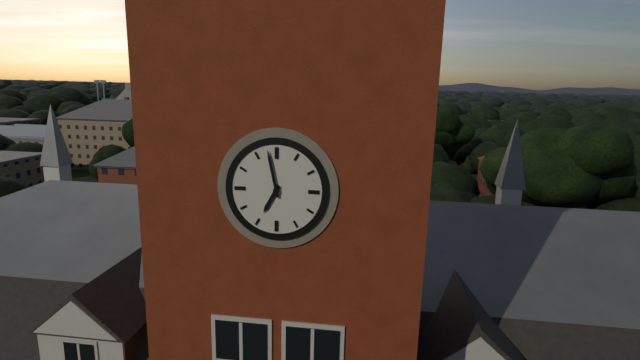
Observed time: 6h58
